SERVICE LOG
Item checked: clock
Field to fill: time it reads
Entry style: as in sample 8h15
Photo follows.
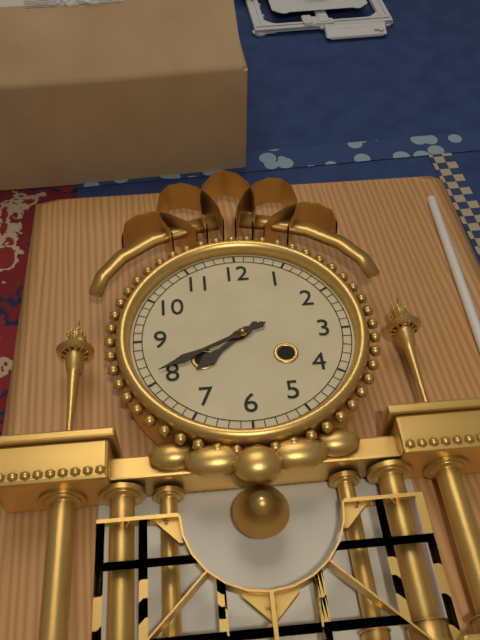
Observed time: 7h41
